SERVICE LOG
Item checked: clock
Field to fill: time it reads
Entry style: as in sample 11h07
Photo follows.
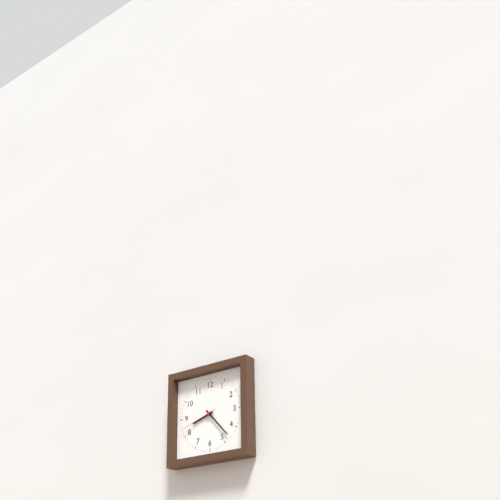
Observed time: 8h23
